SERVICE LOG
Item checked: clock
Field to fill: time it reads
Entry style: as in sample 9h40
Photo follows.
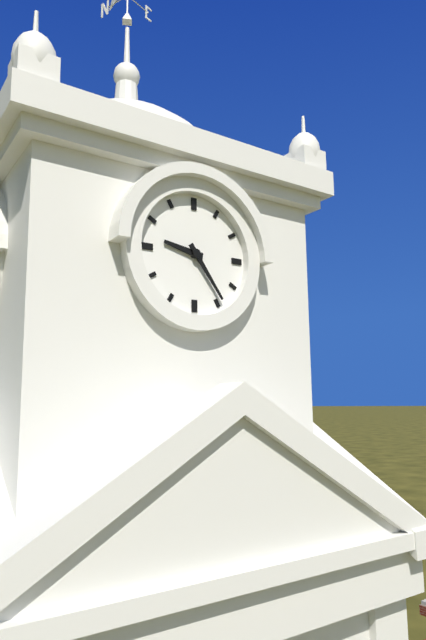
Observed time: 9h24
